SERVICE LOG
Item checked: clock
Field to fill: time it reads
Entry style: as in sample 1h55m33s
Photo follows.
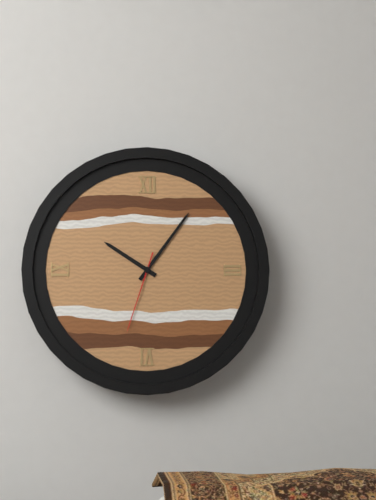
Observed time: 10h06m33s
